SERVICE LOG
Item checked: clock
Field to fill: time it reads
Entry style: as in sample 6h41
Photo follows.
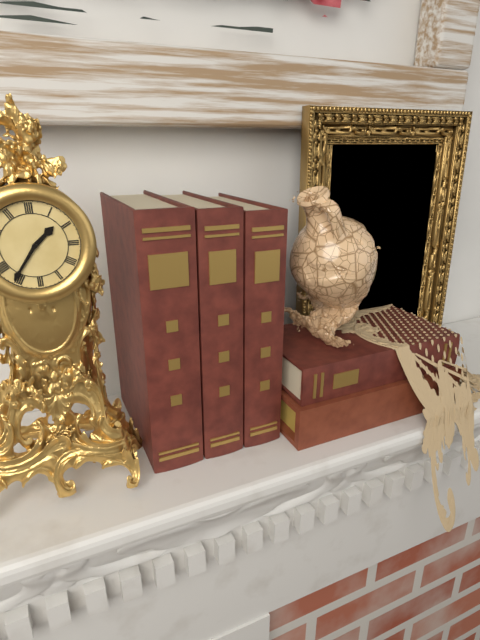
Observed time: 1h36
